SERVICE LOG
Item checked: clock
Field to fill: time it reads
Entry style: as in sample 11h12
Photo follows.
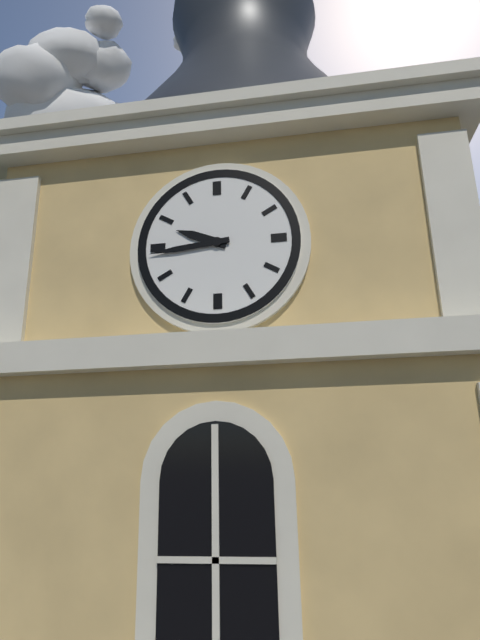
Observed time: 9h44
